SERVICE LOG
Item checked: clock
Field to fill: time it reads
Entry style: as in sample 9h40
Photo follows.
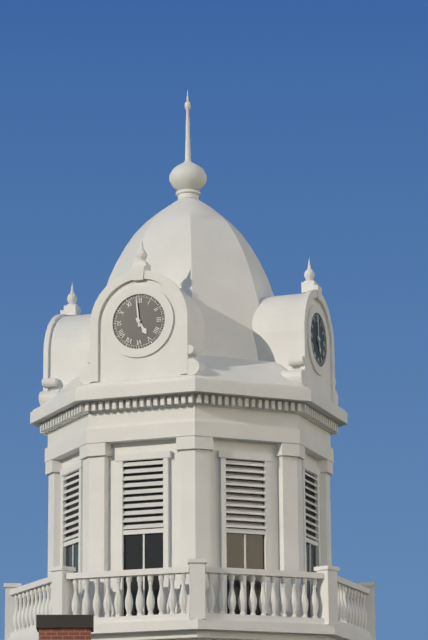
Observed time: 4h59
